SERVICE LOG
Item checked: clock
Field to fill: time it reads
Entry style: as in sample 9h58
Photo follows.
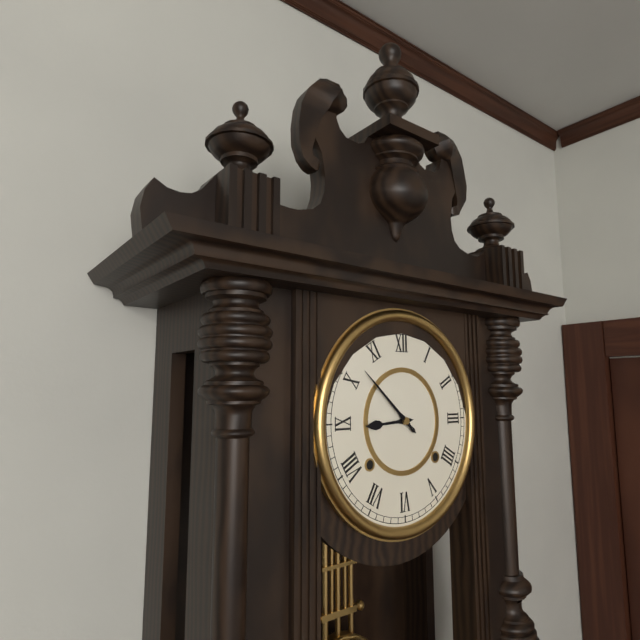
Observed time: 8h52
